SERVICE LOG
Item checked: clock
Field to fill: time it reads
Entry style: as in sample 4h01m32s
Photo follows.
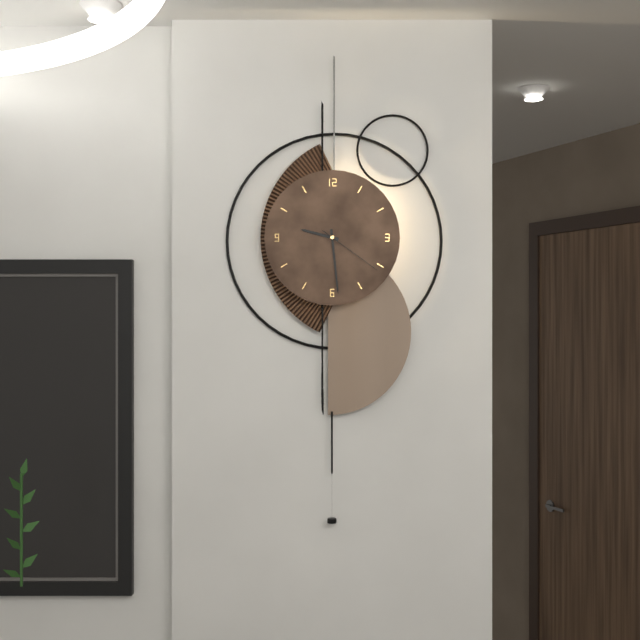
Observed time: 9h29m21s
